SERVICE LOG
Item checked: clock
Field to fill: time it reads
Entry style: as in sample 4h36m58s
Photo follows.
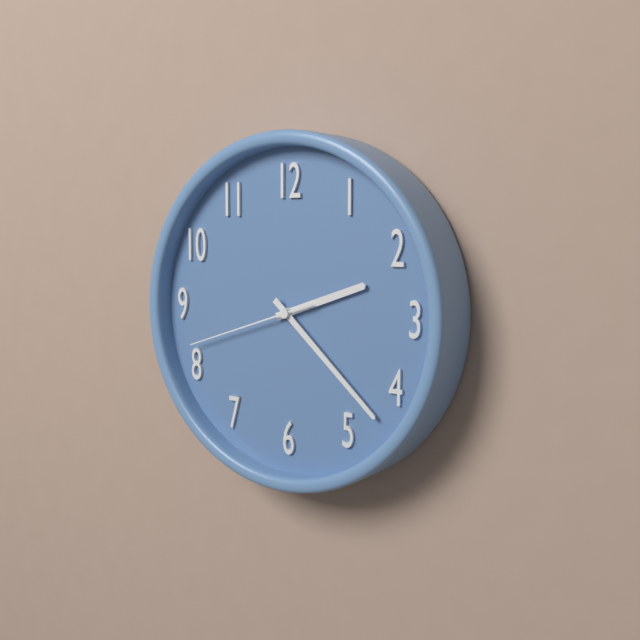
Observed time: 2h22m42s
